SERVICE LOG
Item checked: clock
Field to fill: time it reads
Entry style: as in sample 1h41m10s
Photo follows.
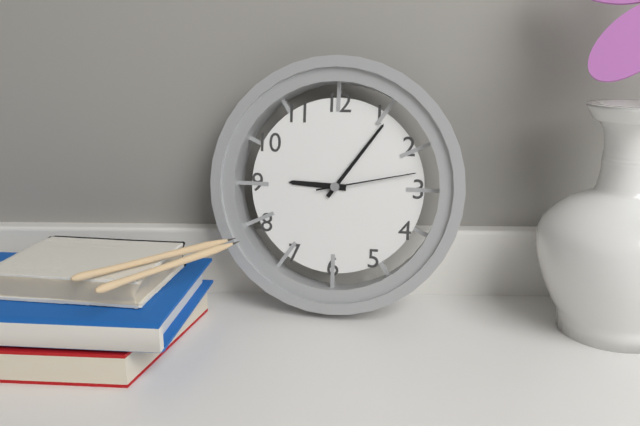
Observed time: 9h06m13s
